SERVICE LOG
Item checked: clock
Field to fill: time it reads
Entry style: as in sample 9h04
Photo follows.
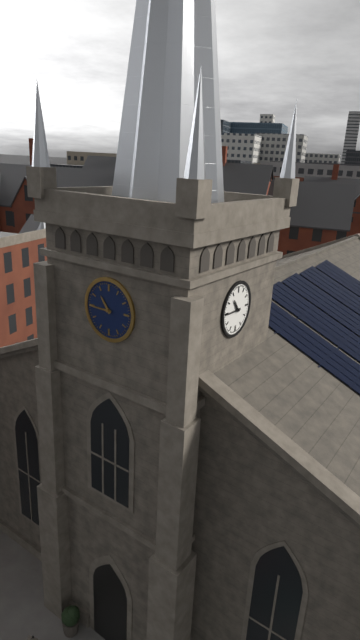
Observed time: 10h45
